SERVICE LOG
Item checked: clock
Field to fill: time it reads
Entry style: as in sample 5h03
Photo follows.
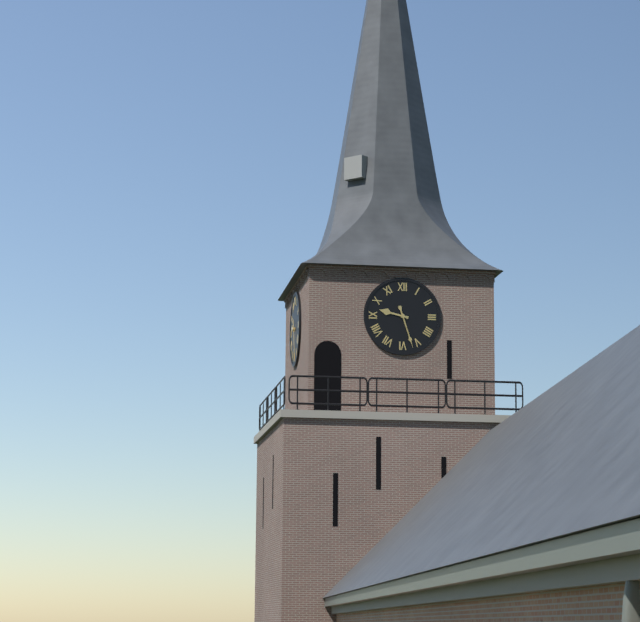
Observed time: 9h27
